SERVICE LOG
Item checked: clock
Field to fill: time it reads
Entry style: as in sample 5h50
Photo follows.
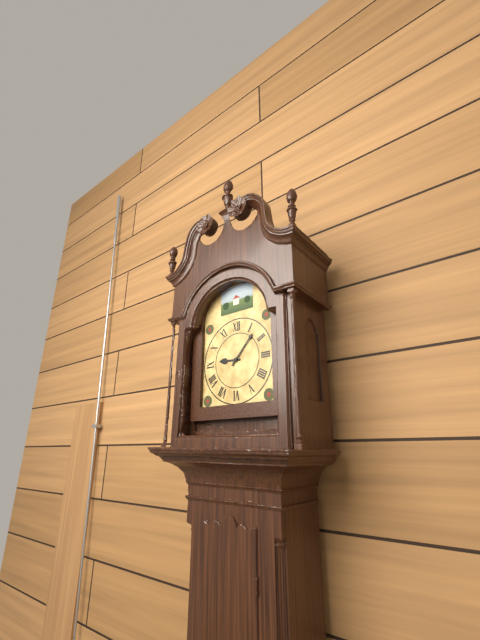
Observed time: 9h07
